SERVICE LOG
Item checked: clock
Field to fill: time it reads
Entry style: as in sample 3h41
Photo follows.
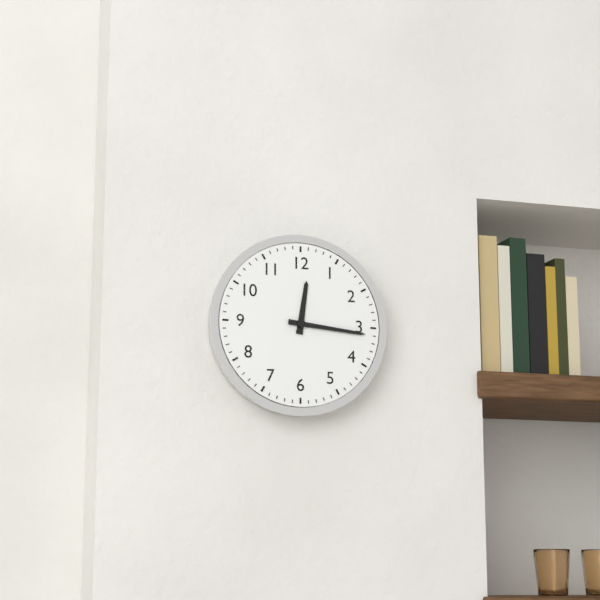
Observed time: 12h16
